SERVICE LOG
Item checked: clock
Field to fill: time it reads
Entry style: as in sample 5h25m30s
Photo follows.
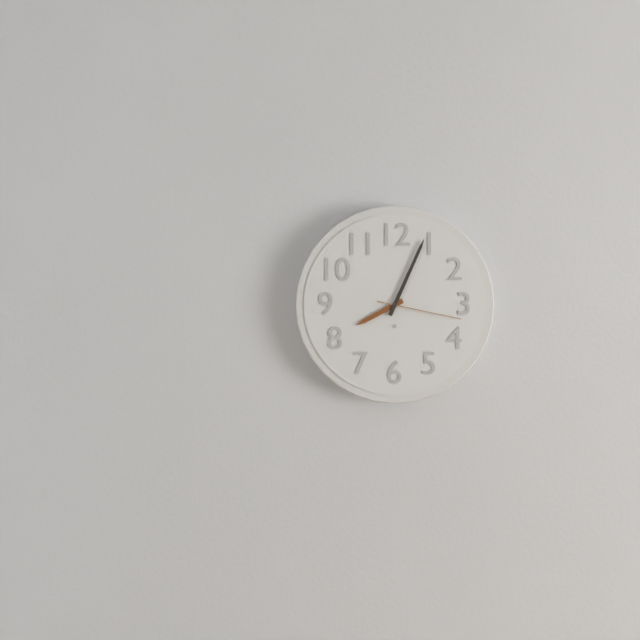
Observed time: 8h04m17s
